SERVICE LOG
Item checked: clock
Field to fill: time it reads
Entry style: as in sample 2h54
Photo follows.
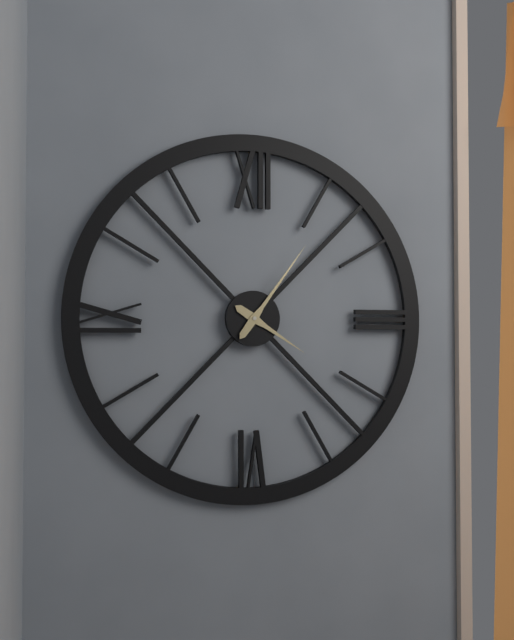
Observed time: 4h06
